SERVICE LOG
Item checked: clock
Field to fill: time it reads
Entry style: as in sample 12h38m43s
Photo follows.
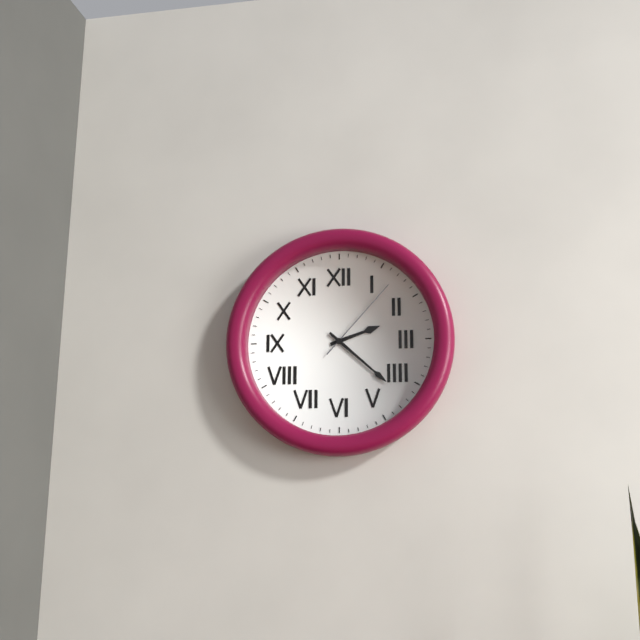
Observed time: 2h22m07s
